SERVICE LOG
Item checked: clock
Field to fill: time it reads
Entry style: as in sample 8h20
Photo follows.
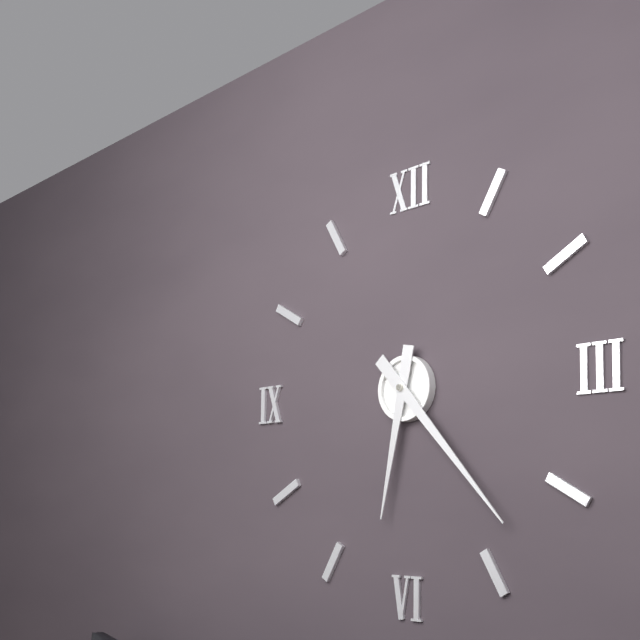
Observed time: 6h23
